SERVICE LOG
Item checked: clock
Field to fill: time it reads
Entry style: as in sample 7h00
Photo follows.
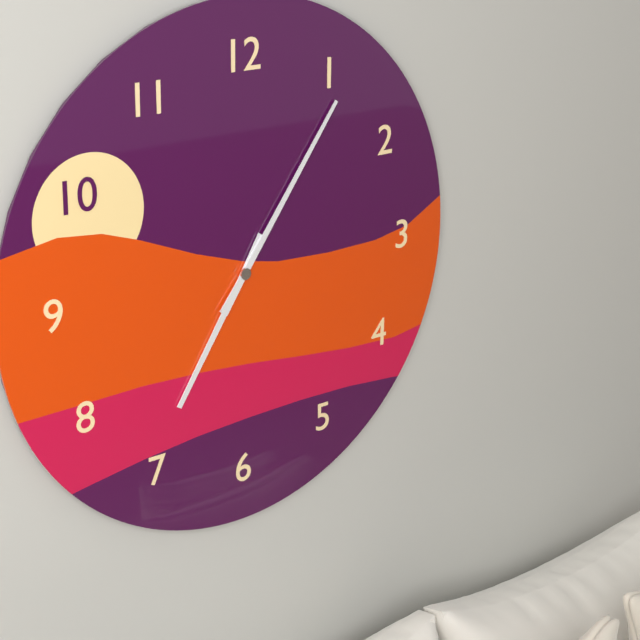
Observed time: 7h06
